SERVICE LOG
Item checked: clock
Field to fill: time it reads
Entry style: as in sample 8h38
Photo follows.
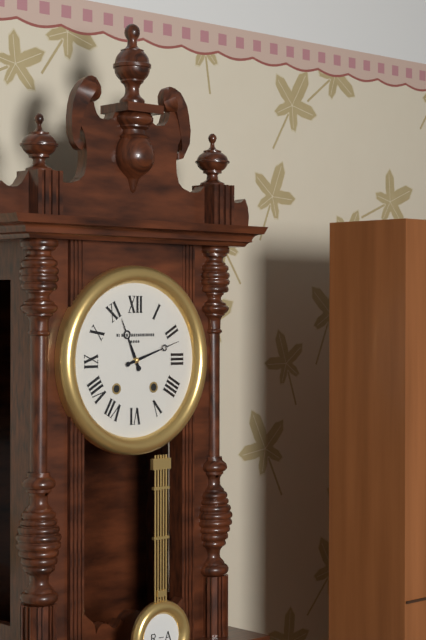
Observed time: 11h12
